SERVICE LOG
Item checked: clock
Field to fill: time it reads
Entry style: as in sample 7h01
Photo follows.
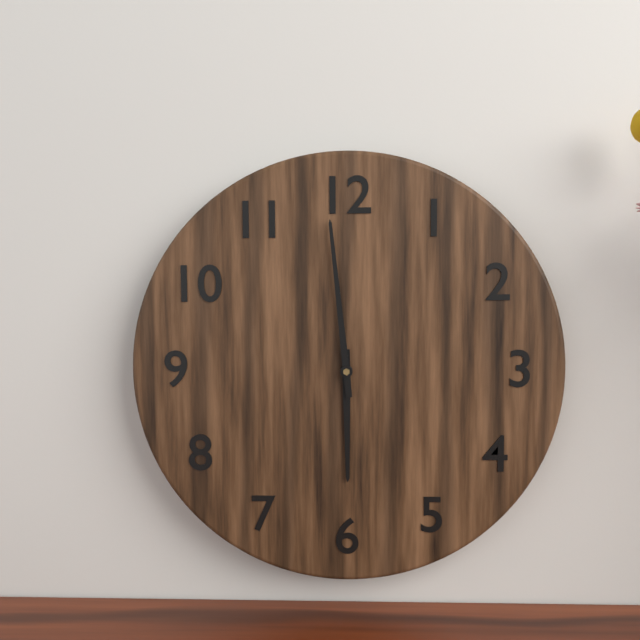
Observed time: 5h59
